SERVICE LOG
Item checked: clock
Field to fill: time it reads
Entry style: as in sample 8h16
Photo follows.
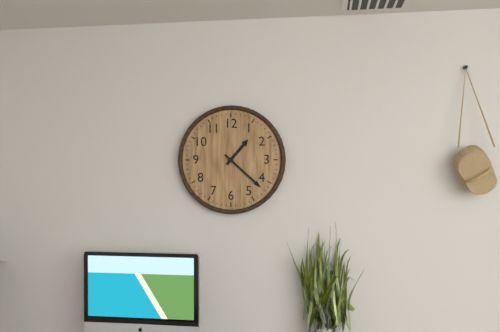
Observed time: 1h22
